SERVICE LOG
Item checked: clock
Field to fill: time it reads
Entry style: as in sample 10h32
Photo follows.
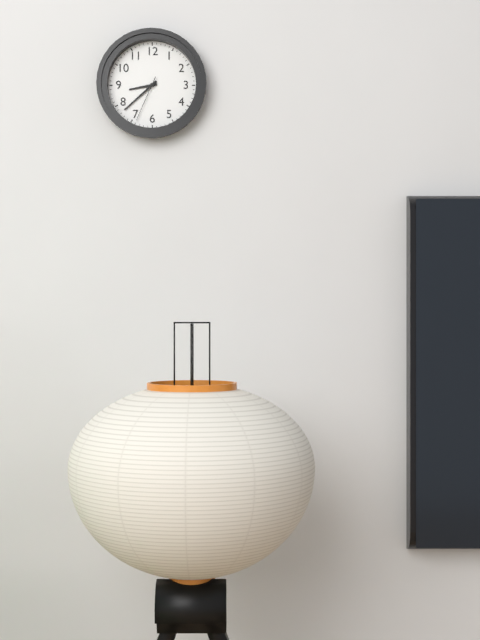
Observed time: 8h38
